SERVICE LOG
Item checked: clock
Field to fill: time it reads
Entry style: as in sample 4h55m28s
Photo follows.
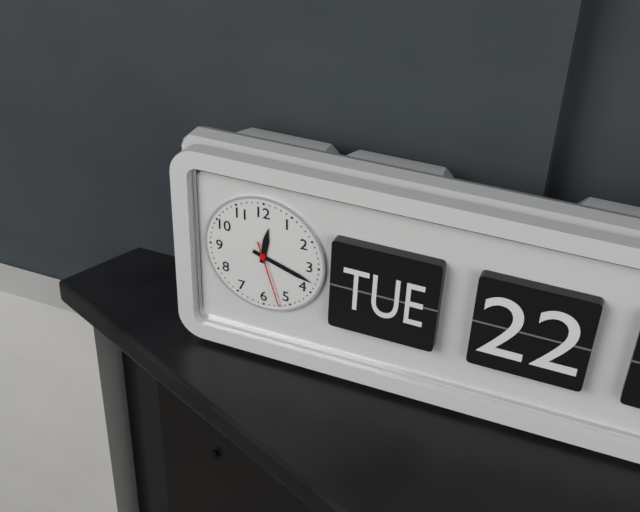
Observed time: 12h18m27s
